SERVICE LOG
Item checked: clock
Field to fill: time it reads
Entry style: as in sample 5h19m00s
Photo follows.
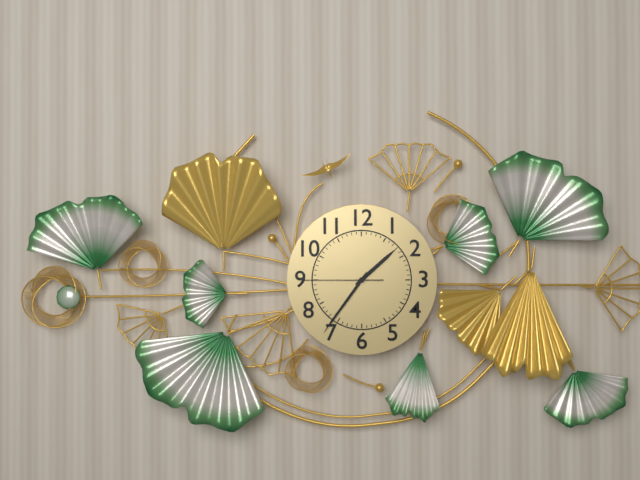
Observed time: 1h36m45s
